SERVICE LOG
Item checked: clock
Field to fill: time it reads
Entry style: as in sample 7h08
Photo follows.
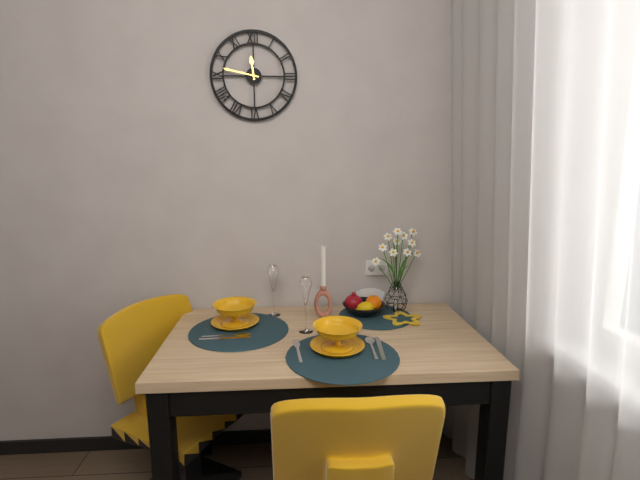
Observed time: 11h47
